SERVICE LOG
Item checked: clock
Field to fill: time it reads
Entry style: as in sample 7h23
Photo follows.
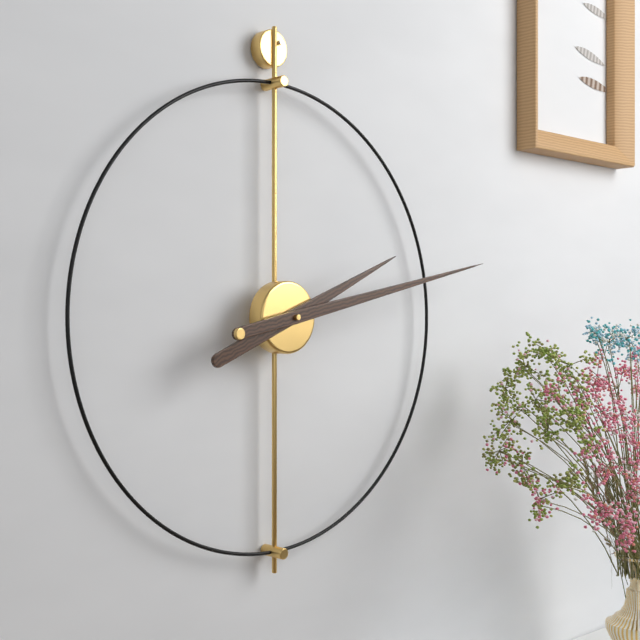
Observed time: 2h13
